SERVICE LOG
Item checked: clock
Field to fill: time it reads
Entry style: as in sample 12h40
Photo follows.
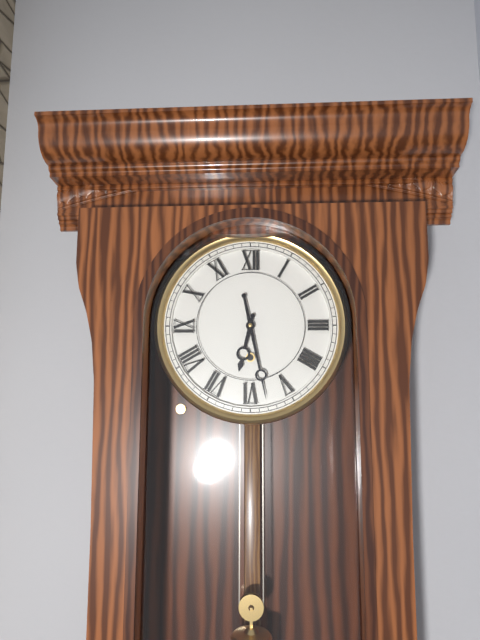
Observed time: 6h28
